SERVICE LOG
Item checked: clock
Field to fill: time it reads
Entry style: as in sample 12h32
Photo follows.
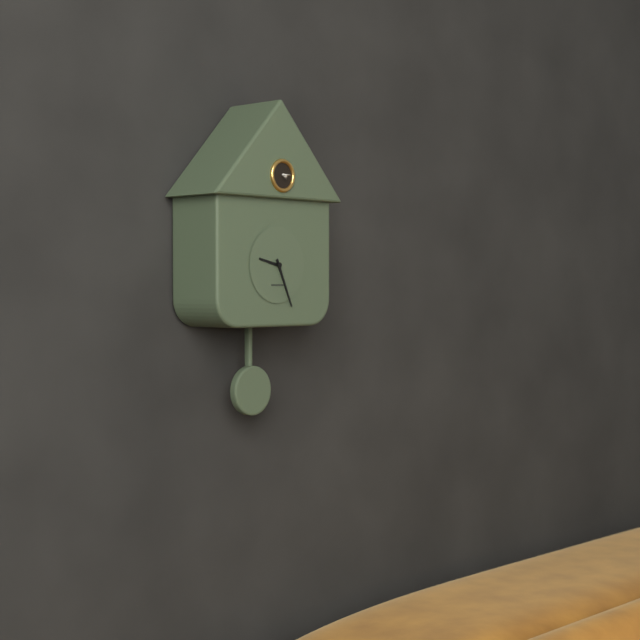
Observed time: 9h26
